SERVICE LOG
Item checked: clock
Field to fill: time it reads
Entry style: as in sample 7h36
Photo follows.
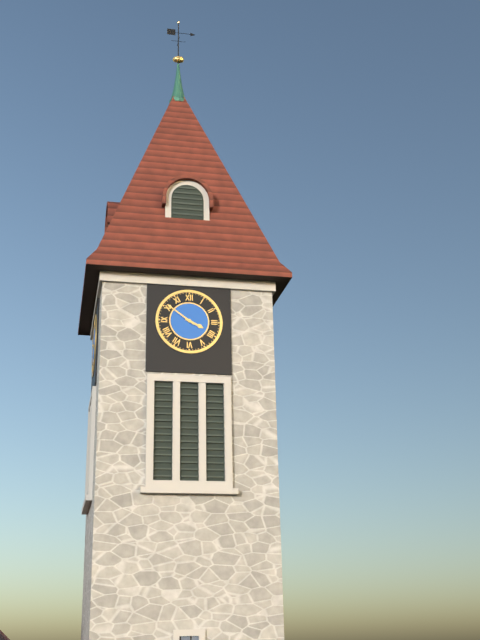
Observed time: 3h51
